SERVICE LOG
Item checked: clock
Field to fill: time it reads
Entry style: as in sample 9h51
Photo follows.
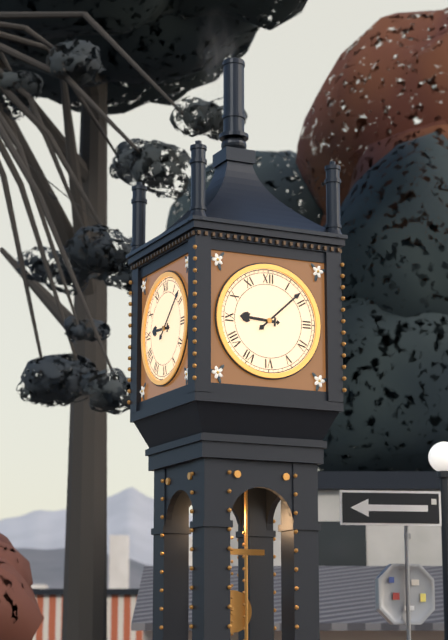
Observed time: 9h08
